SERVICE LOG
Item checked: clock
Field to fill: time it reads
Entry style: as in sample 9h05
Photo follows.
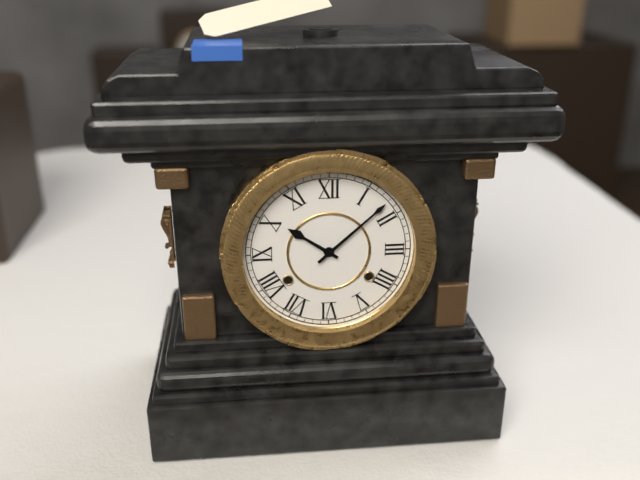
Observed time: 10h08
